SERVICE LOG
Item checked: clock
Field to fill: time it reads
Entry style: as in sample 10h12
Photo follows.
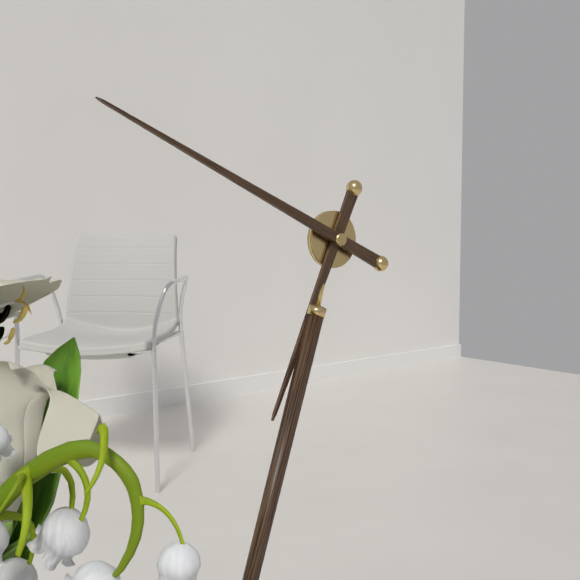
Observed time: 6h49
